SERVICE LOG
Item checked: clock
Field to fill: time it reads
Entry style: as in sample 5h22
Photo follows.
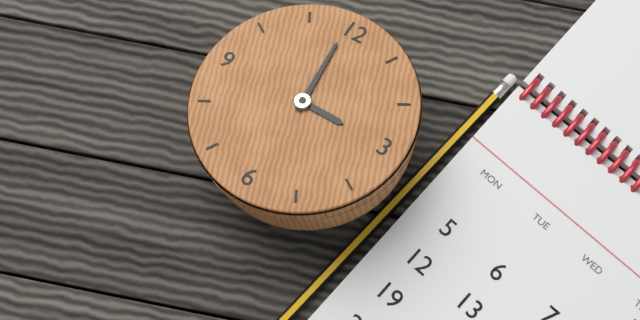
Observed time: 2h59
